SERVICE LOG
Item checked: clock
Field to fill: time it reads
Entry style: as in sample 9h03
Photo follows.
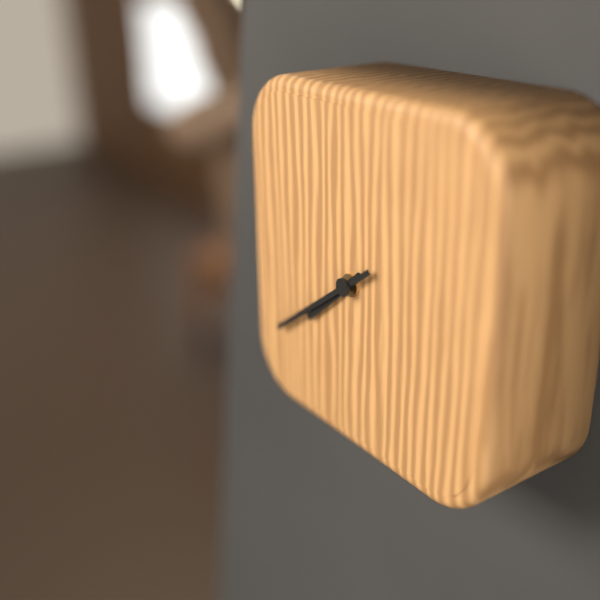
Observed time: 7h39
